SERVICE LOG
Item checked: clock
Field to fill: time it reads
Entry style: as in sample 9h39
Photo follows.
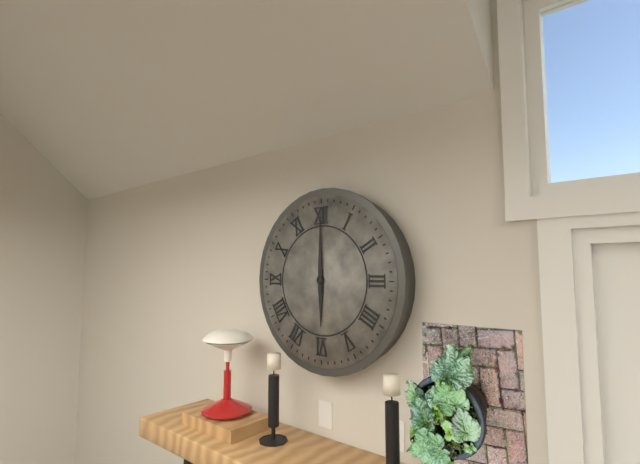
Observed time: 6h00
